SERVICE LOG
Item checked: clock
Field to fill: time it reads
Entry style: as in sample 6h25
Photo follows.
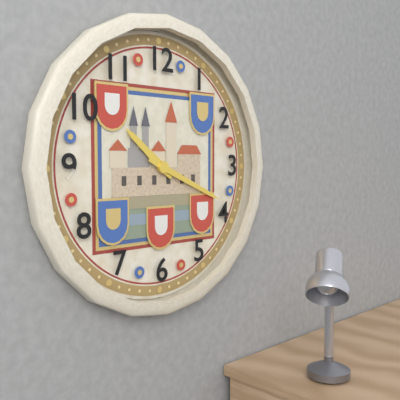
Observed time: 10h19
